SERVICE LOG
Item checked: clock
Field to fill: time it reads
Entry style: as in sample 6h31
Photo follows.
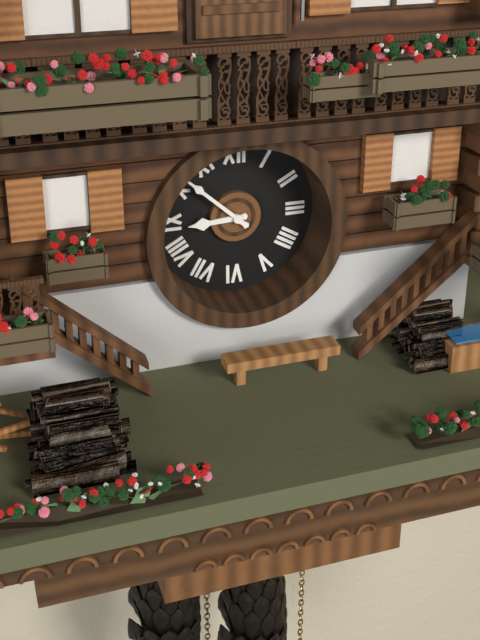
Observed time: 8h52
